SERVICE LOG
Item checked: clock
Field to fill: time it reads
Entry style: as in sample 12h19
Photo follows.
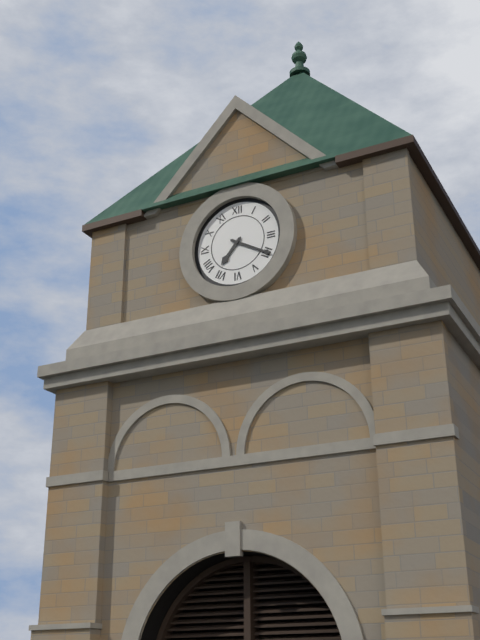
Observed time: 7h20
